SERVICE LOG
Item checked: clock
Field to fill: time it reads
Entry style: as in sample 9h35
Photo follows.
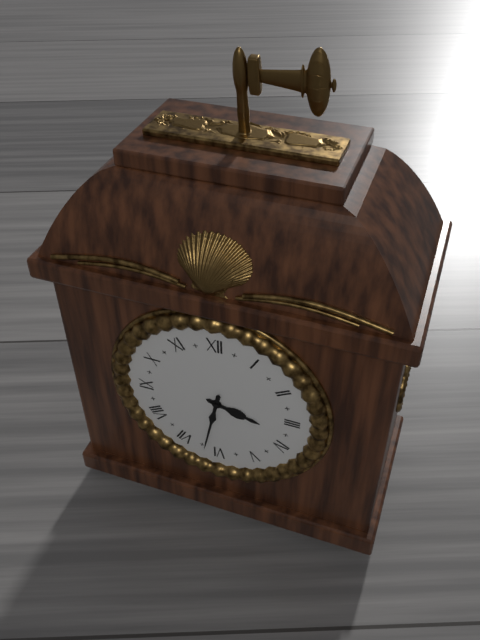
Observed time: 3h32
